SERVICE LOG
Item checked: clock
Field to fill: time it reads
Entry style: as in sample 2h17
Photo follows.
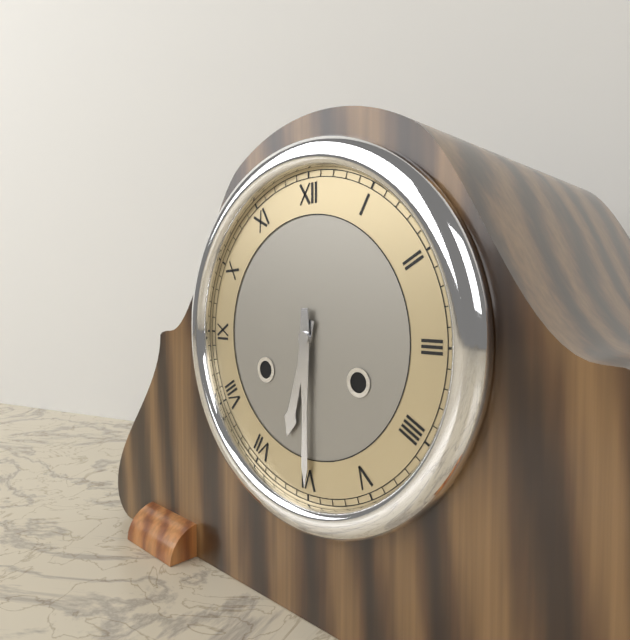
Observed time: 6h30
